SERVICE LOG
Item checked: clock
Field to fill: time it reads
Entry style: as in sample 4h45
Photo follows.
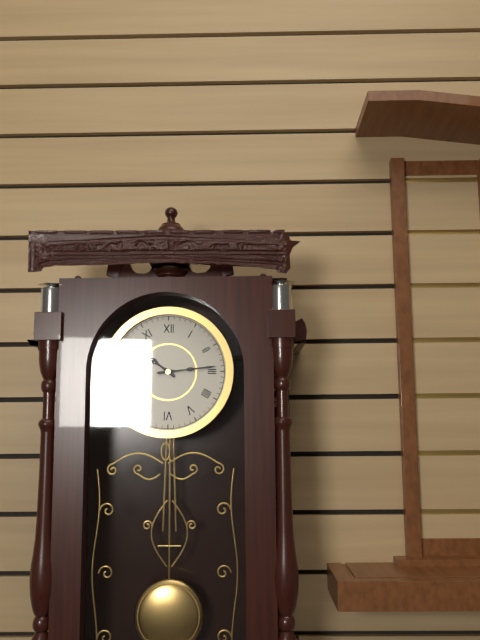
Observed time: 10h14
